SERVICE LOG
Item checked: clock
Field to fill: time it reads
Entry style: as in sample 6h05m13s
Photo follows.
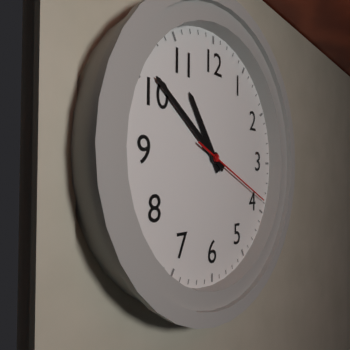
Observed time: 10h51m19s
